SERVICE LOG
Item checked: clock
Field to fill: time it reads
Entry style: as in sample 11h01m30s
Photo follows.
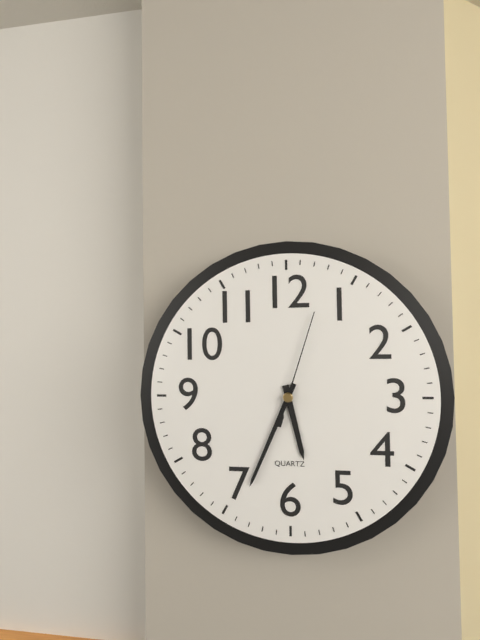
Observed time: 5h34m03s
